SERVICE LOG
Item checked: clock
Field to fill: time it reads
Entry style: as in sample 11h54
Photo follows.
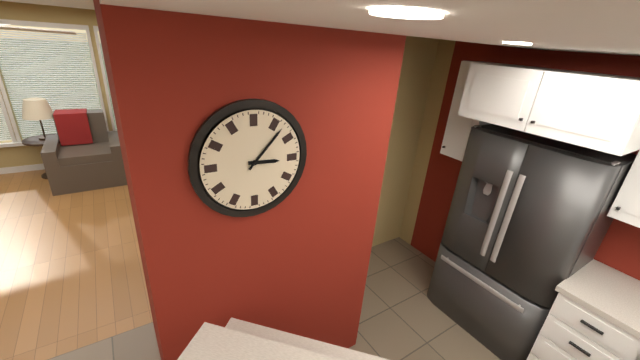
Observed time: 3h07
